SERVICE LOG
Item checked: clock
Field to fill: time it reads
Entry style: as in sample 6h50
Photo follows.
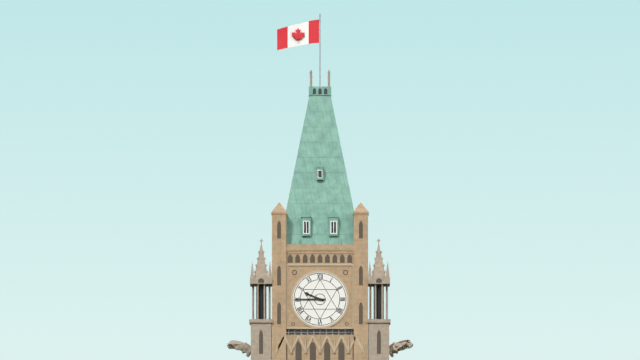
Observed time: 9h45
